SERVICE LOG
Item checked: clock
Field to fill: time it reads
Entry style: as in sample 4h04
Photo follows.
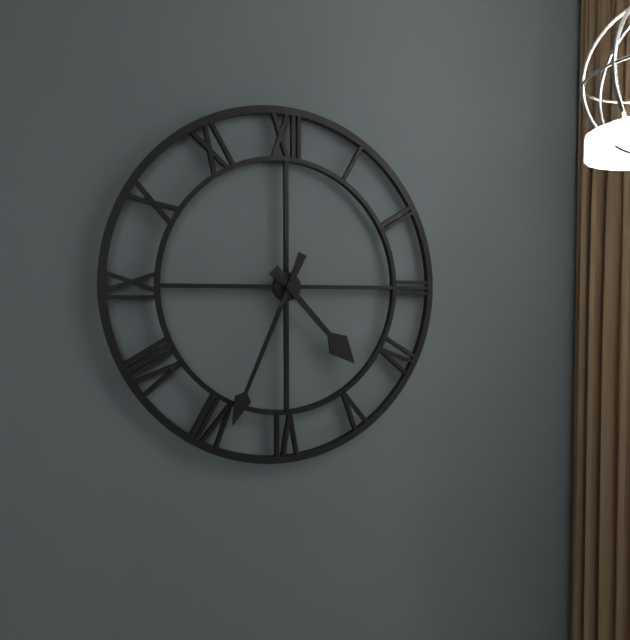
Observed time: 4h34
